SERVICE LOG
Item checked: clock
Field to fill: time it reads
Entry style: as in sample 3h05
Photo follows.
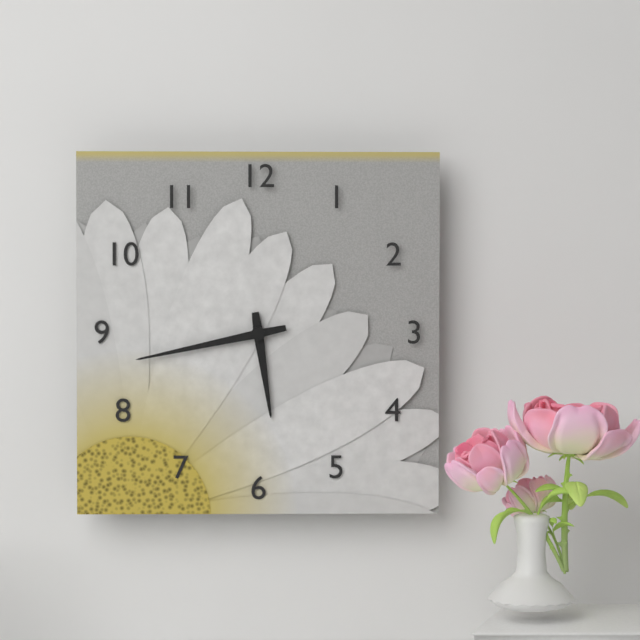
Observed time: 5h43
